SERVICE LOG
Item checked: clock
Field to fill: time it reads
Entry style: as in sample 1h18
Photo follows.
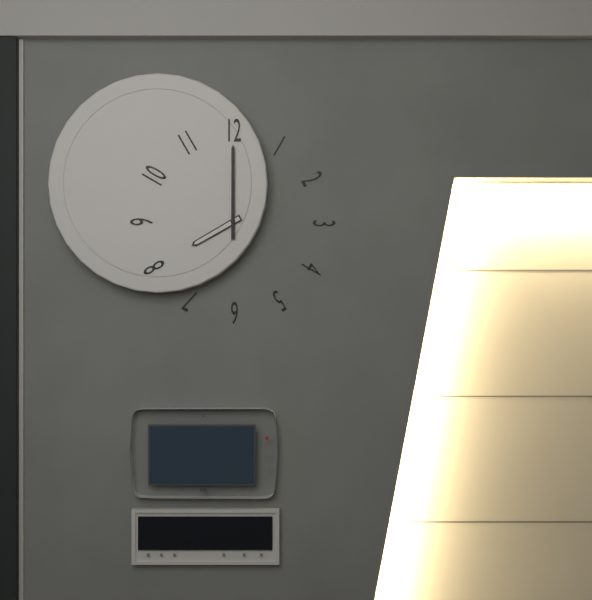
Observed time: 8h00
